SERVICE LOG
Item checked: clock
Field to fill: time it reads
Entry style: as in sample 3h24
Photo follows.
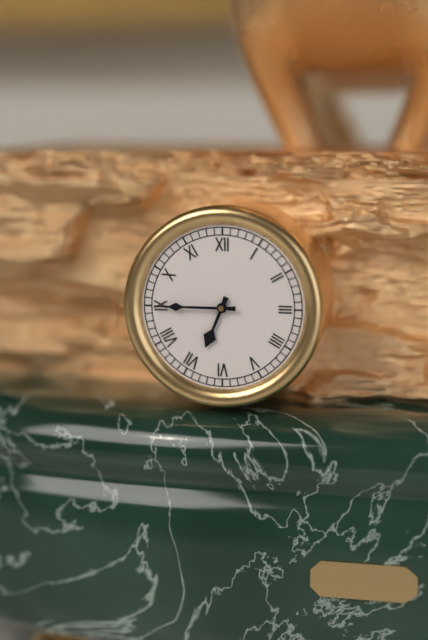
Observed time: 6h45
